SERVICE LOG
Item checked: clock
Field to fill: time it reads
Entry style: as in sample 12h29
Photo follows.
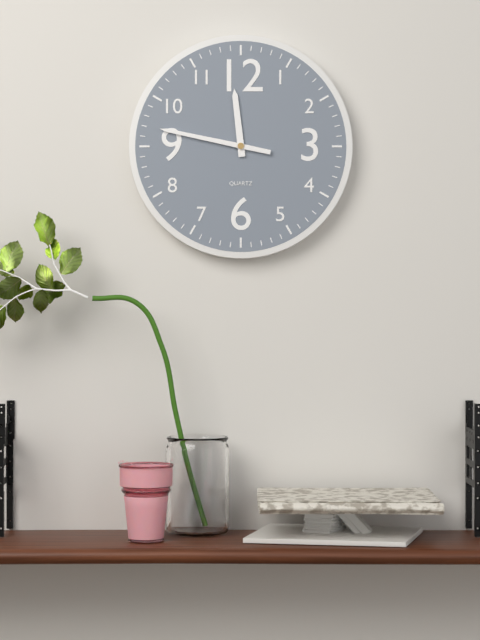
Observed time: 11h47
